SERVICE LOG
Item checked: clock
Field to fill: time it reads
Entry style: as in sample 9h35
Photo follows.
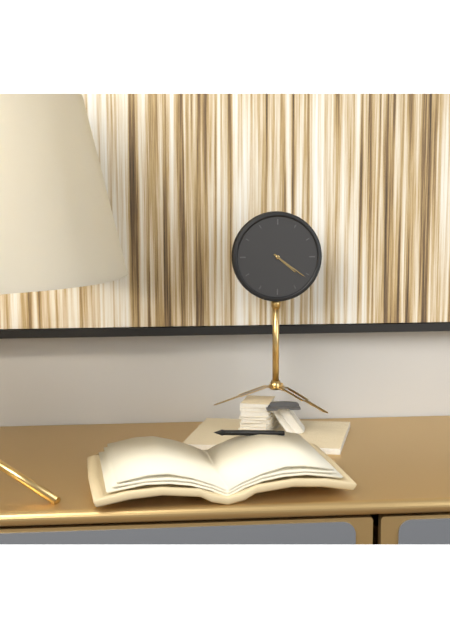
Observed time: 4h21
